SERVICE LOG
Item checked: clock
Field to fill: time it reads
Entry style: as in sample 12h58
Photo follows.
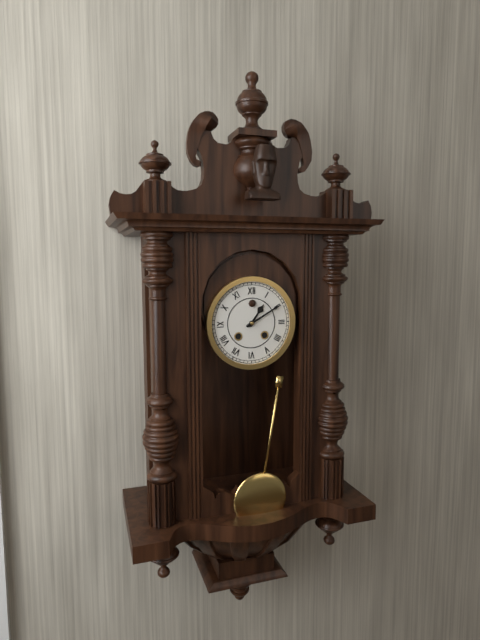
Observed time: 1h10
